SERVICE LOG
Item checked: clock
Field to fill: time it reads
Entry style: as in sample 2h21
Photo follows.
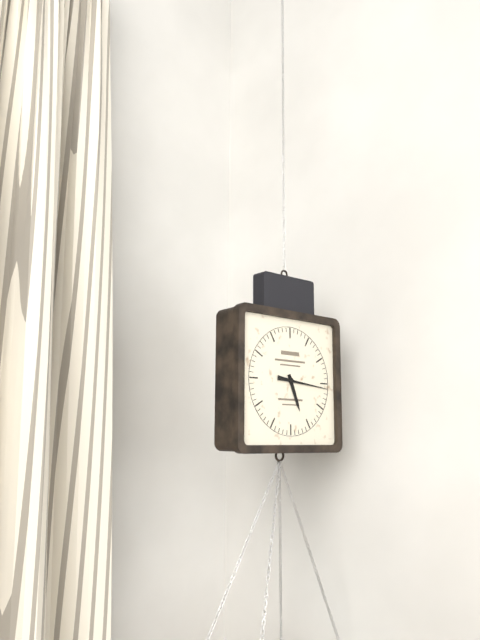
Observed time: 5h16
